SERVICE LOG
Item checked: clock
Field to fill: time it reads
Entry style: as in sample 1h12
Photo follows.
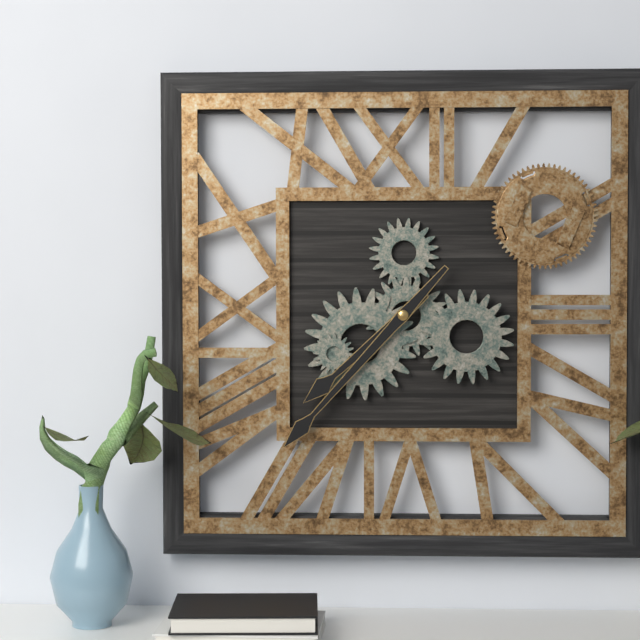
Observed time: 7h37
